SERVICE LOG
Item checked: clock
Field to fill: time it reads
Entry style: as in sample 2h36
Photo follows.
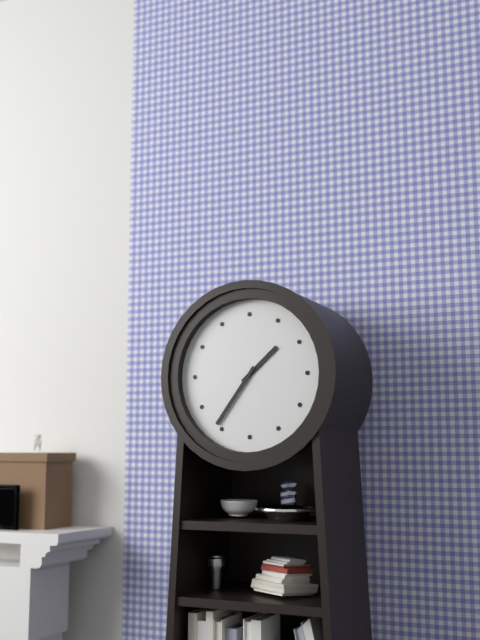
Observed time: 1h36
